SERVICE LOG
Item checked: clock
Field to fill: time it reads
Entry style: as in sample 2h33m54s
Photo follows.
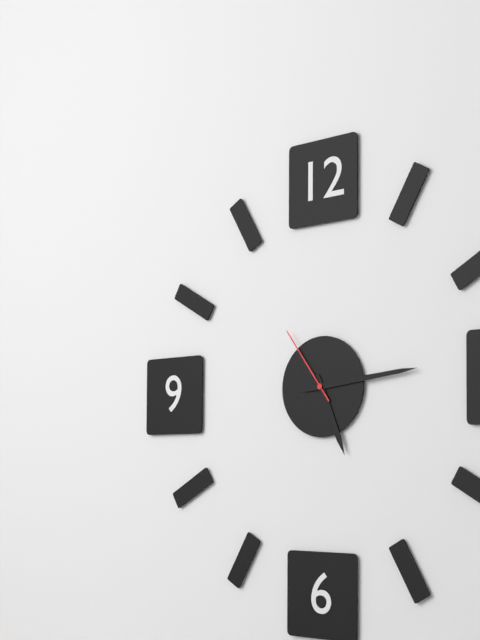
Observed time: 5h14m54s
